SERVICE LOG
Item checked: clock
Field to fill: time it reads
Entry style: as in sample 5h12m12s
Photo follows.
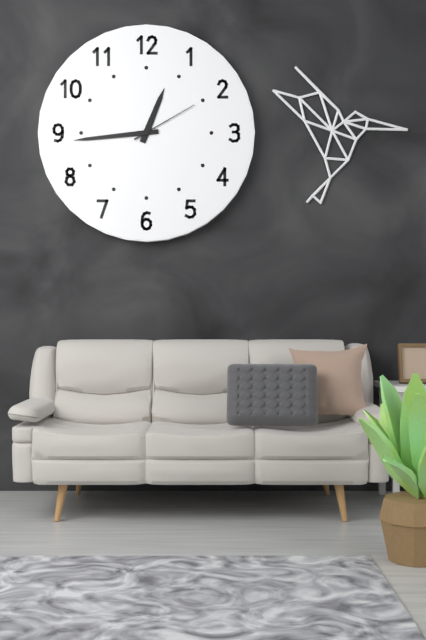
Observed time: 12h44m10s
